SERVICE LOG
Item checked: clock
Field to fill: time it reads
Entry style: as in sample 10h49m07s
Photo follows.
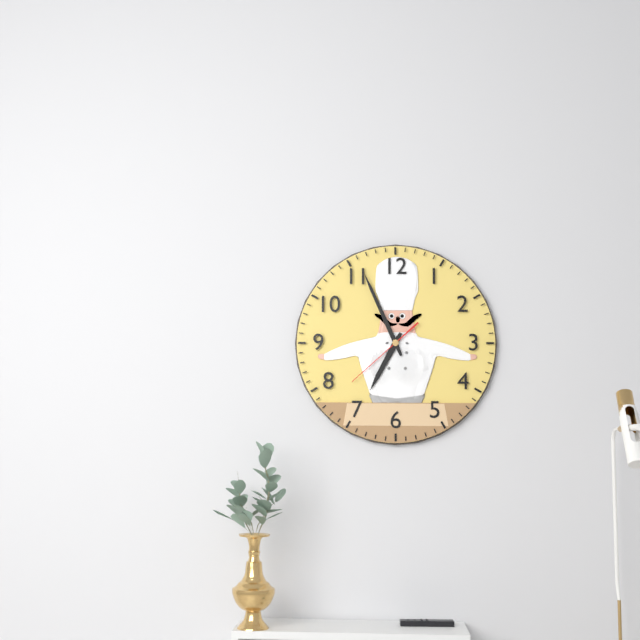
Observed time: 6h56m38s
